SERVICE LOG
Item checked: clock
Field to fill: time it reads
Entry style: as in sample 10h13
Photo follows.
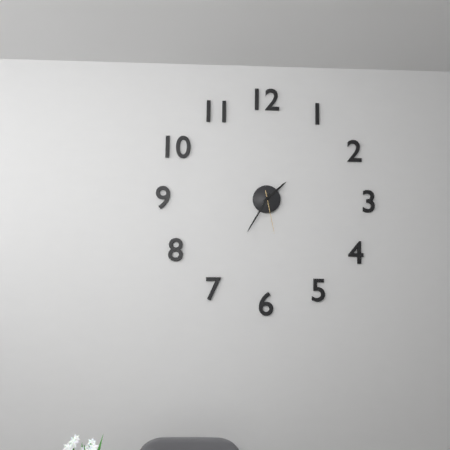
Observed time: 1h35
